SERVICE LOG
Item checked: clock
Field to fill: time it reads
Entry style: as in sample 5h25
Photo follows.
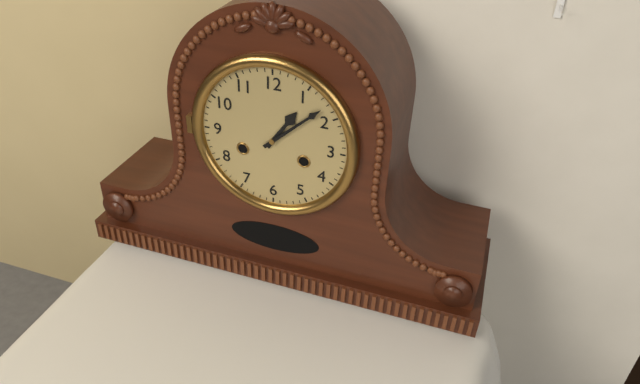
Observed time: 1h08
